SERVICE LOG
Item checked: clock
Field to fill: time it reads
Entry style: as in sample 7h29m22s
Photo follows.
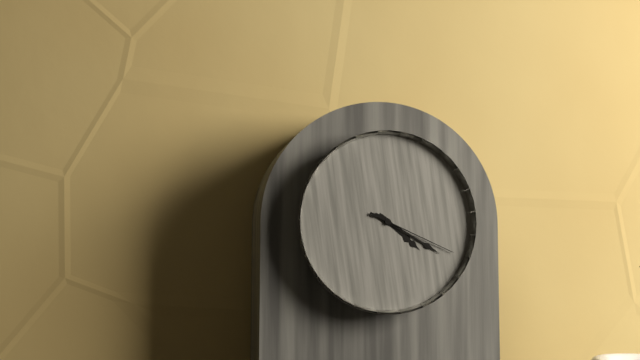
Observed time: 4h20m19s
